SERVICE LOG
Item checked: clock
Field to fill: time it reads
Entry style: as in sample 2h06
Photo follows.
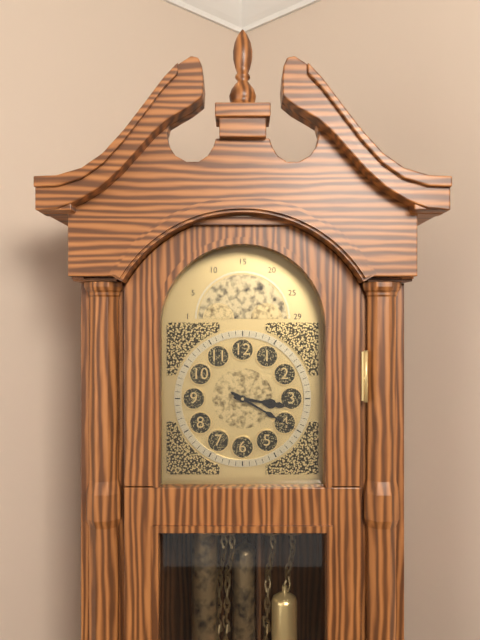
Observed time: 3h20
